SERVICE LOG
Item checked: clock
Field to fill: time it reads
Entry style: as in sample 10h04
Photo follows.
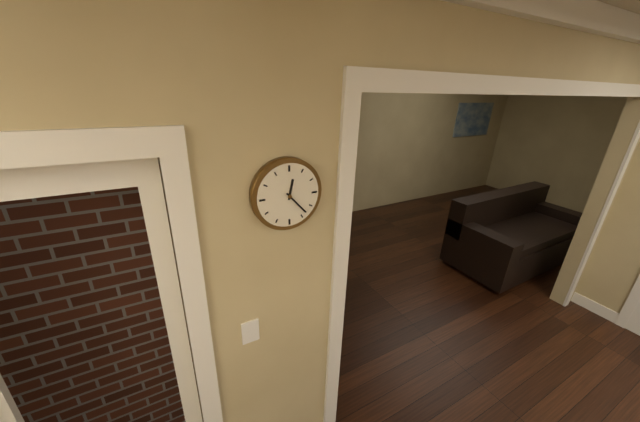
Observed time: 12h23
